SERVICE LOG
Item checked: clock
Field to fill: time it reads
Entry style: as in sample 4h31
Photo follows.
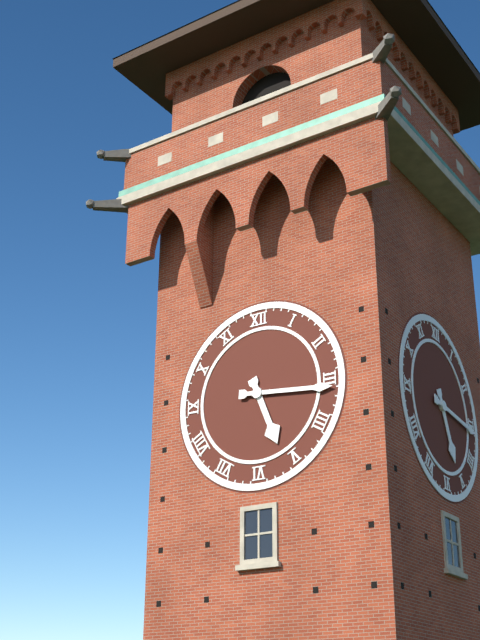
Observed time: 5h16
